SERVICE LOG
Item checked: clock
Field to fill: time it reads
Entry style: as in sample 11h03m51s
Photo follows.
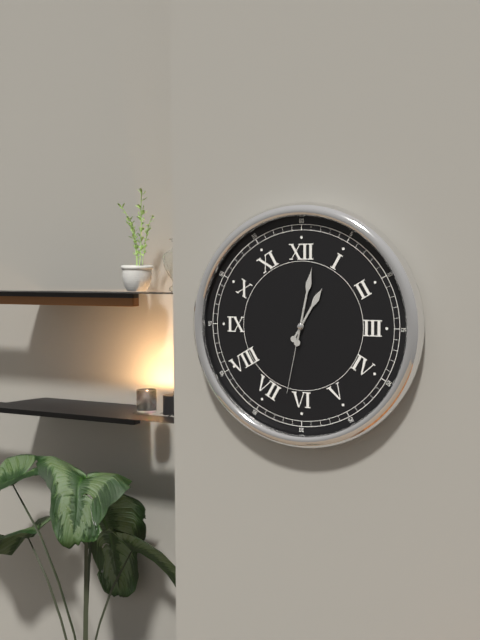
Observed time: 1h02m32s
